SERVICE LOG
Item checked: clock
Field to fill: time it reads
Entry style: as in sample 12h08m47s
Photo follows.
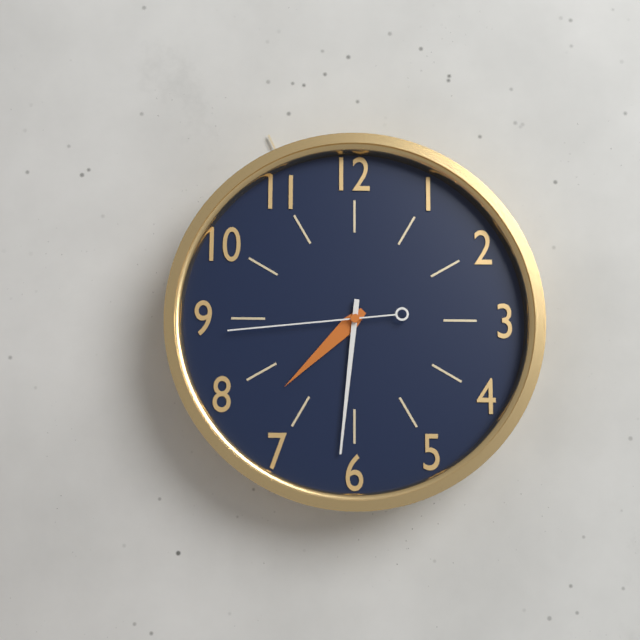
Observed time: 7h31m44s
